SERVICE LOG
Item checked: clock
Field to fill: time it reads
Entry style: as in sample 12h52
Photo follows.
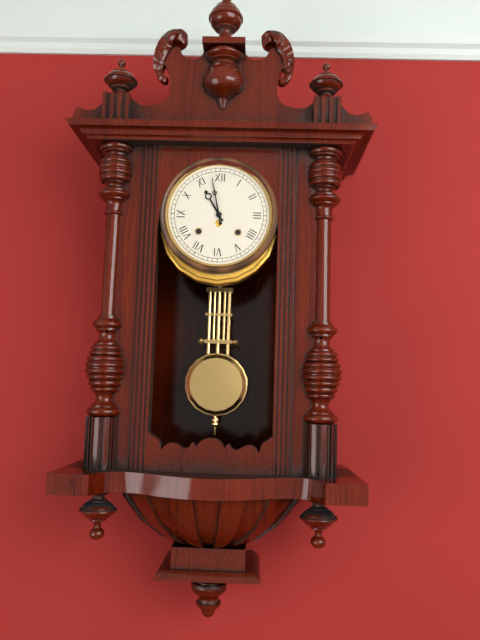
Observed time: 10h58
